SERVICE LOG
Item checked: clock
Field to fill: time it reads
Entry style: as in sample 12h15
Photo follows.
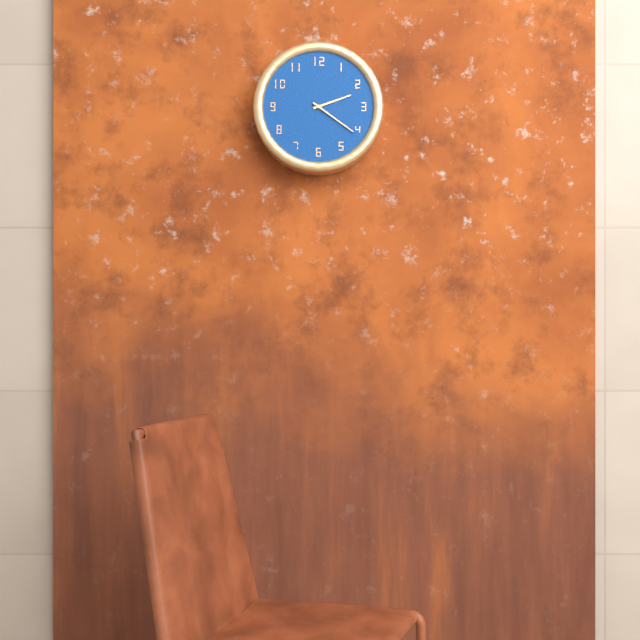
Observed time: 2h21
